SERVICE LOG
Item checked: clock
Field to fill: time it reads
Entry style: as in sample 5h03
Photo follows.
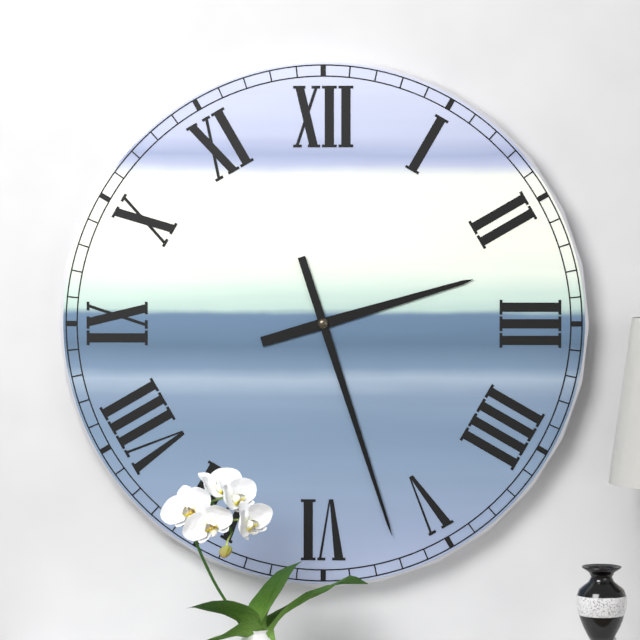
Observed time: 2h27
